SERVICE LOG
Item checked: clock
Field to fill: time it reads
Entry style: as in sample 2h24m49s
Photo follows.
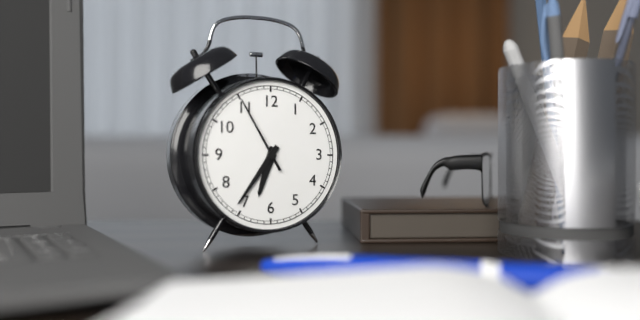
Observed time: 6h36m55s
